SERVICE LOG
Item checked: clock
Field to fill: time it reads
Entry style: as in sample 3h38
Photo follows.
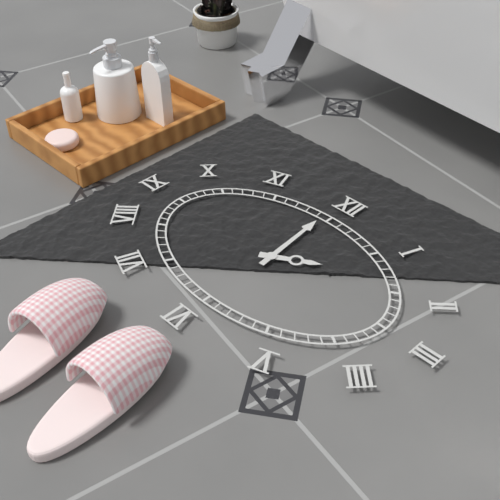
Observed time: 1h59
